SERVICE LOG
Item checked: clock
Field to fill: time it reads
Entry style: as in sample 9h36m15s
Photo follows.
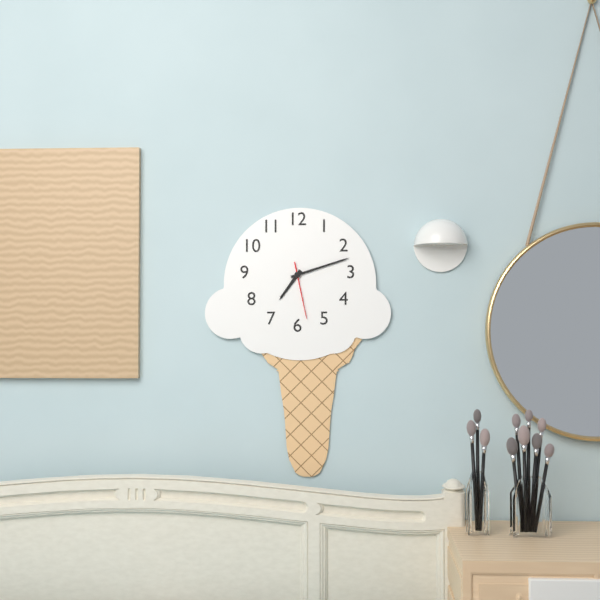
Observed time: 7h12m28s
